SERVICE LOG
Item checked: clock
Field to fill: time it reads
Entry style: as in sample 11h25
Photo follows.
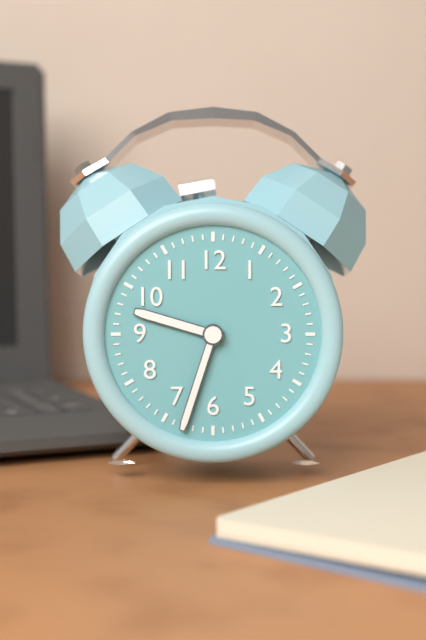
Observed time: 9h33
